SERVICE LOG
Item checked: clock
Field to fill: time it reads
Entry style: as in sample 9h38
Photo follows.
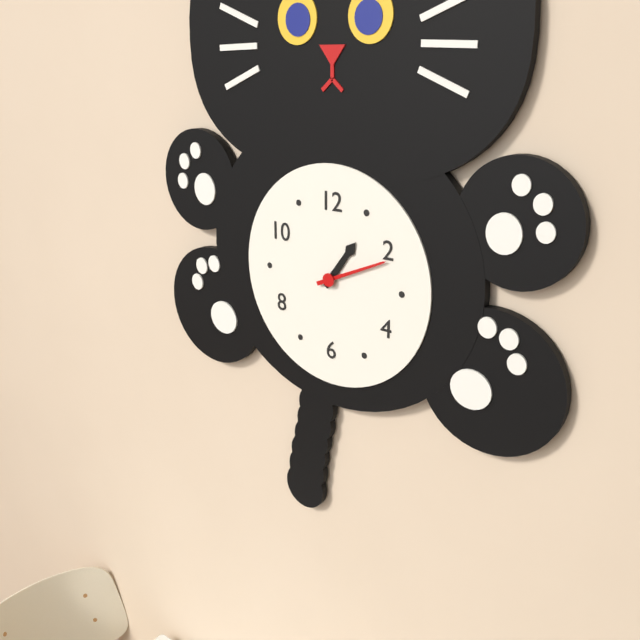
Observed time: 1h11
